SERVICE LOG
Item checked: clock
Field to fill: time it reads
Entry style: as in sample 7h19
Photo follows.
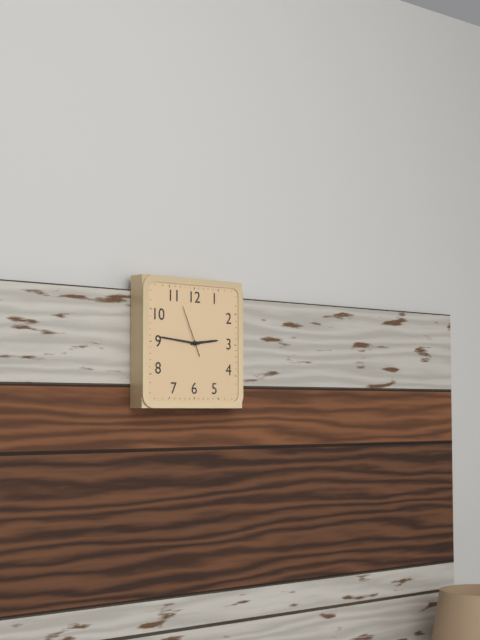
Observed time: 2h46
